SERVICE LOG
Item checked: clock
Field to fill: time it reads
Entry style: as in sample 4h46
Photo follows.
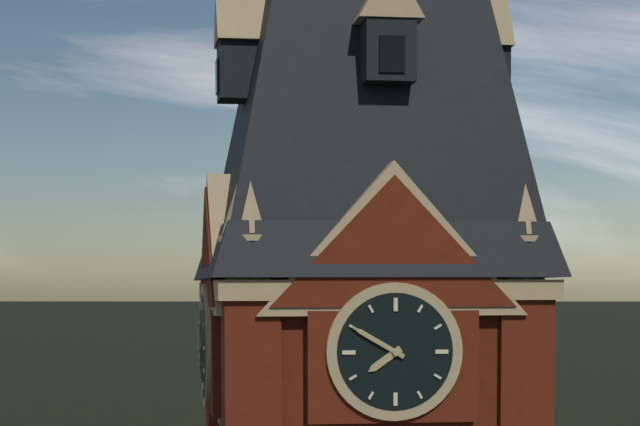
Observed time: 7h50
